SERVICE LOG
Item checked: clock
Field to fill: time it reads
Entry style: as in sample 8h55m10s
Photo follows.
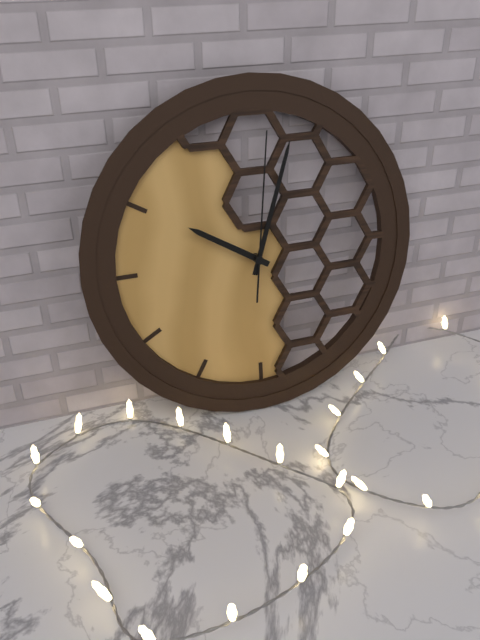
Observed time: 10h03m01s
